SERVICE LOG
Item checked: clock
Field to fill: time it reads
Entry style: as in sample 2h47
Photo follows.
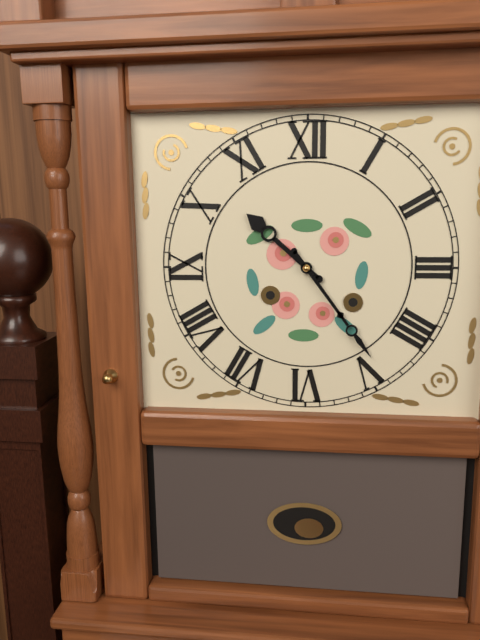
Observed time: 10h24
